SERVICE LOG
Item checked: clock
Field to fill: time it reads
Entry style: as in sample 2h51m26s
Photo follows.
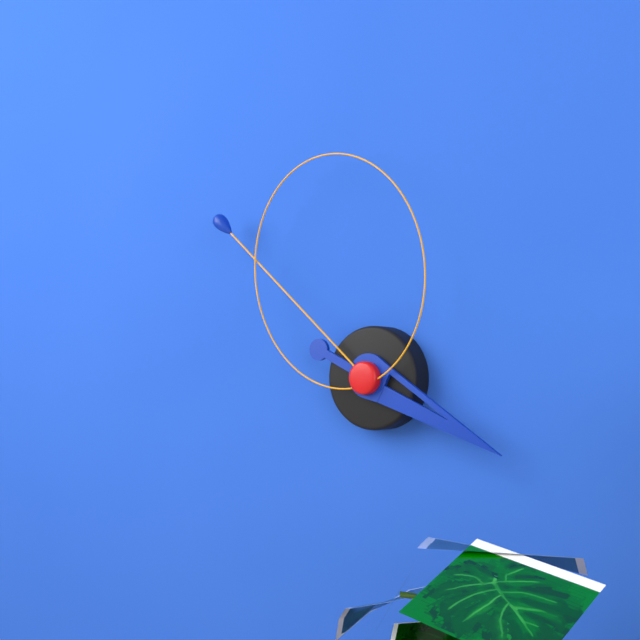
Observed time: 3h52m57s
